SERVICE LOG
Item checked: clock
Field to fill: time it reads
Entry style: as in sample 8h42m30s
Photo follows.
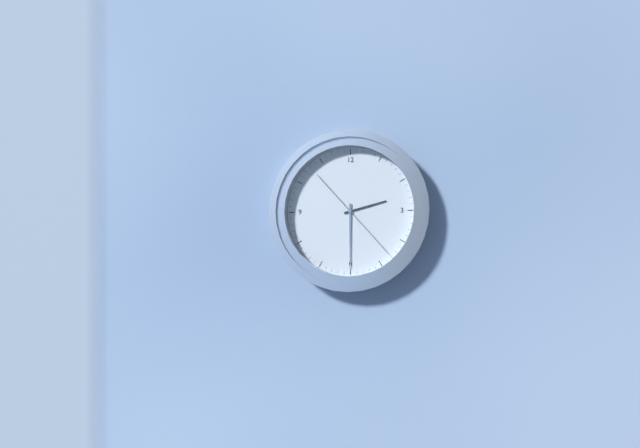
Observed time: 2h30m23s
